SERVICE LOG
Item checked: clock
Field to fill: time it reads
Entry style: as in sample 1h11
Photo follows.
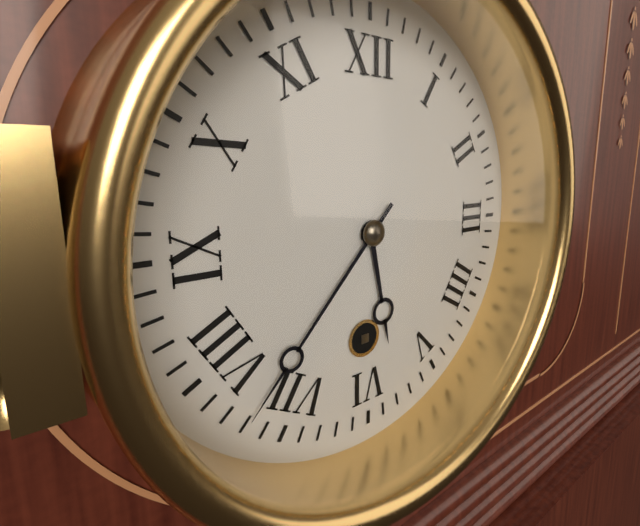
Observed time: 5h37
